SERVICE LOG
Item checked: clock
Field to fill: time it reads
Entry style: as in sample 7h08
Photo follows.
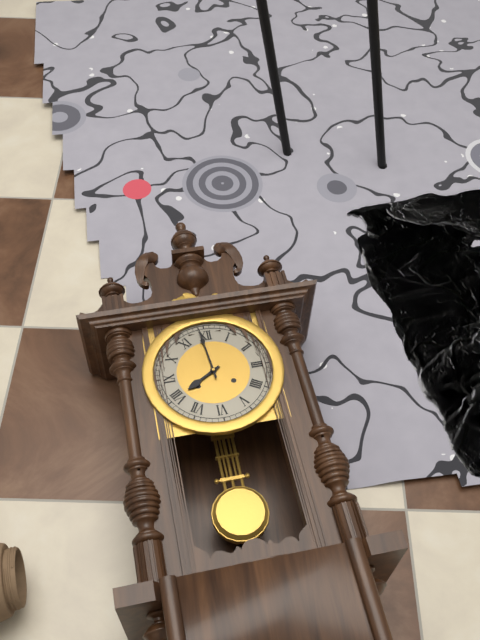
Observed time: 7h59
